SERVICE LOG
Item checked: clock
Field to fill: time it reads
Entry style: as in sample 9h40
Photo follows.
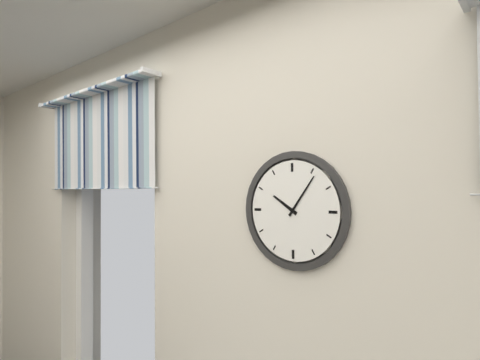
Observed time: 10h06
